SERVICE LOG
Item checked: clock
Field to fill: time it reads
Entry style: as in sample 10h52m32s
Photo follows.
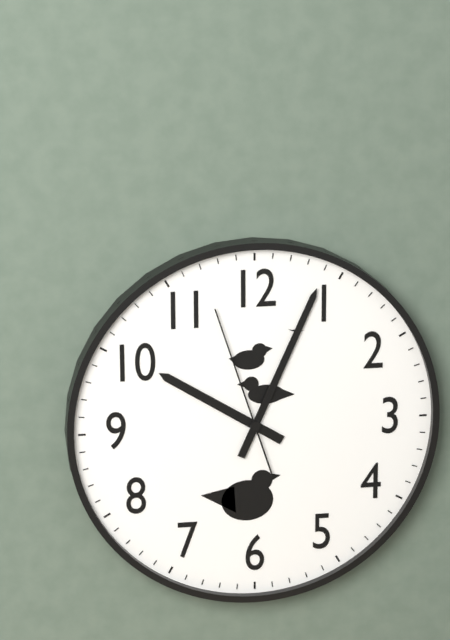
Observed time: 10h04m57s
